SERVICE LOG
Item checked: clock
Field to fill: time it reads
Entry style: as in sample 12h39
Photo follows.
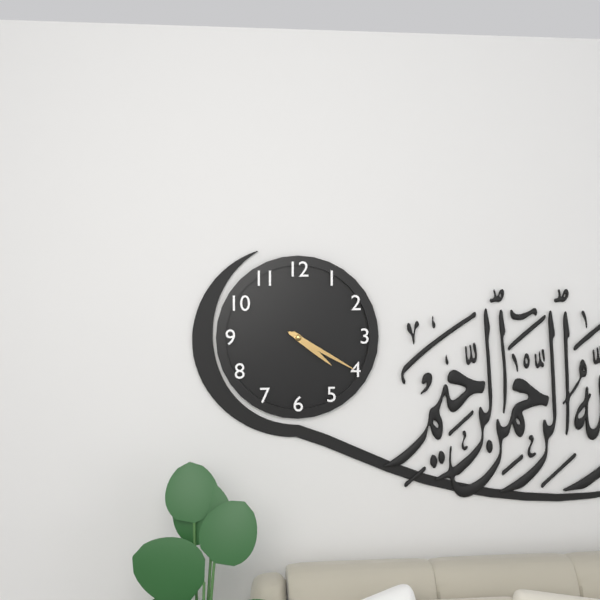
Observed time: 4h20
